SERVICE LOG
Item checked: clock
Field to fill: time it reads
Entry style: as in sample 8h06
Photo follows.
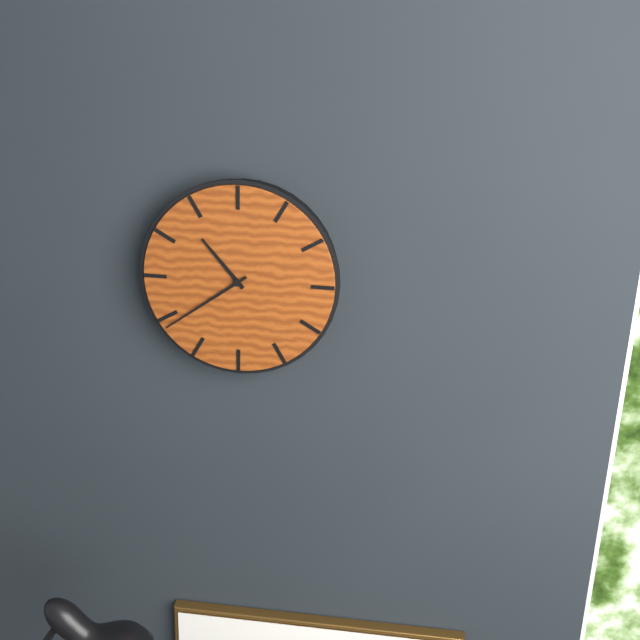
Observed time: 10h39
